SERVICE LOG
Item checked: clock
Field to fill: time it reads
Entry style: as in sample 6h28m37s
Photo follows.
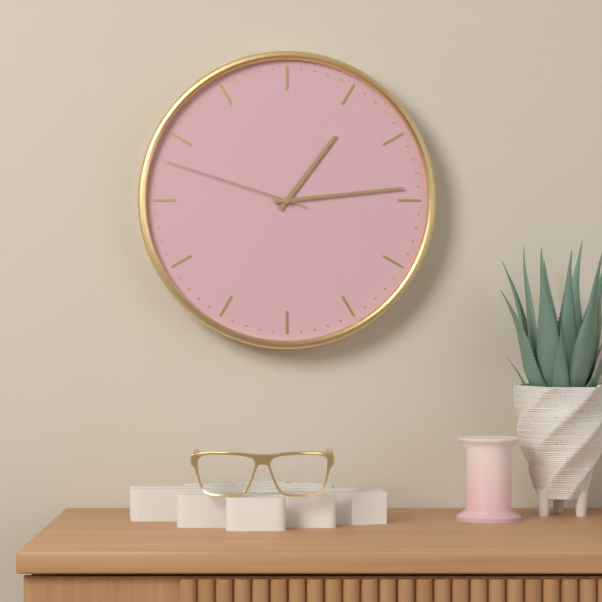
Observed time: 1h14m48s
